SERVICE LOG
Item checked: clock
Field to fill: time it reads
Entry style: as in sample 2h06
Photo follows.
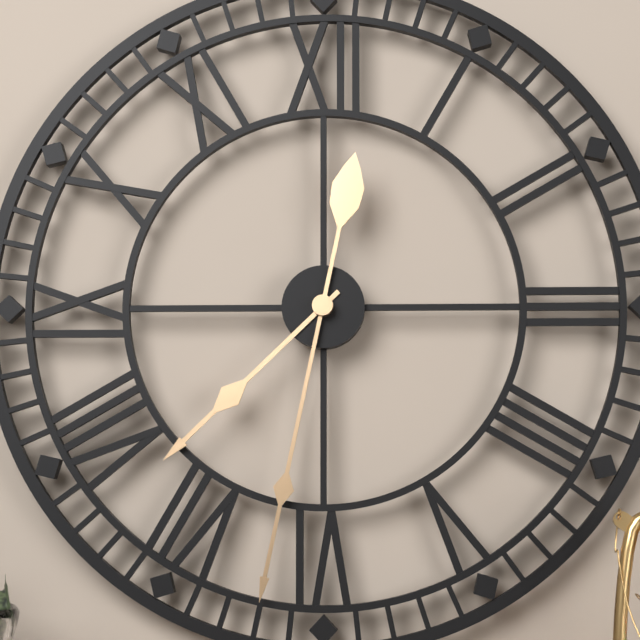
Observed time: 7h32
